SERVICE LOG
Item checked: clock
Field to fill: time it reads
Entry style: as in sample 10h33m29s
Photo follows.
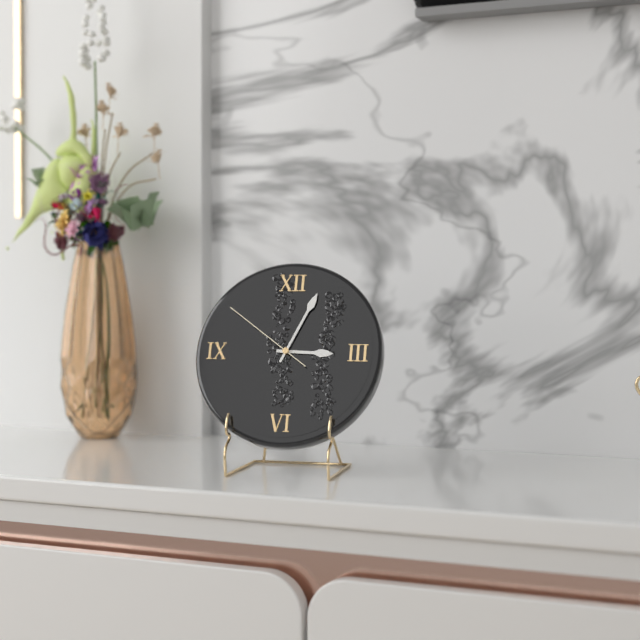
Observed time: 3h04m51s
